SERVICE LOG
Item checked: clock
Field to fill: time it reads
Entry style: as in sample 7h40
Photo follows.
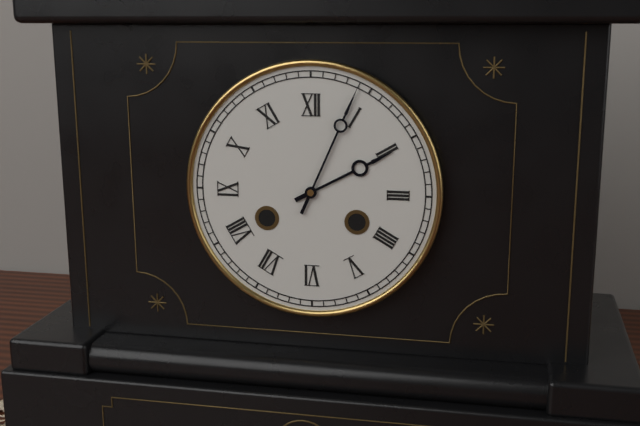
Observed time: 2h04
